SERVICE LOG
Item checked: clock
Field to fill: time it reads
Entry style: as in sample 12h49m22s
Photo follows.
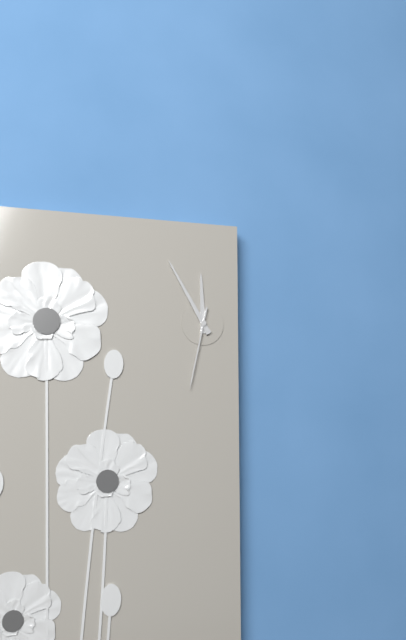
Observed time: 11h55m32s
